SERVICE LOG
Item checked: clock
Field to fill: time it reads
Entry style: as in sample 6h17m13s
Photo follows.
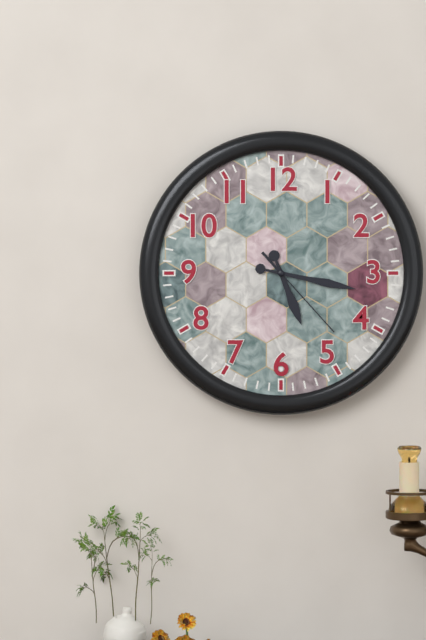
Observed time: 5h17m23s
